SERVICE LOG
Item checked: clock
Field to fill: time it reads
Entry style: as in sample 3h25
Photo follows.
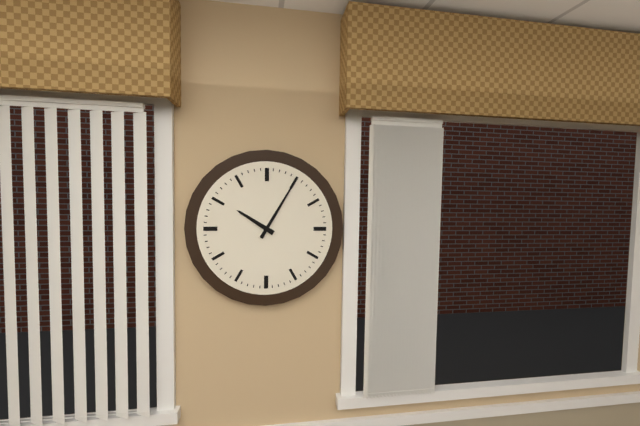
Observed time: 10h05
